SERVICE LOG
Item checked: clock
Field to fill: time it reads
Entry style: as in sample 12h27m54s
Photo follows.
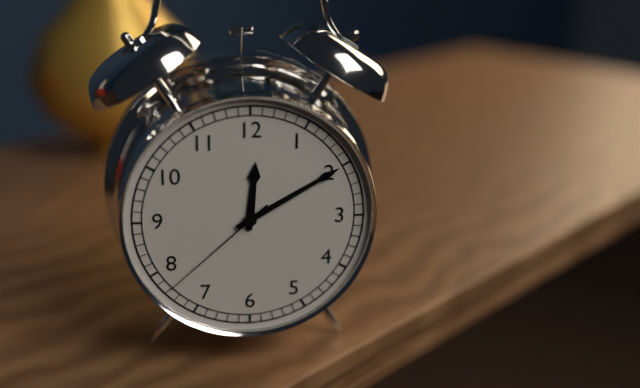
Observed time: 12h10m38s
